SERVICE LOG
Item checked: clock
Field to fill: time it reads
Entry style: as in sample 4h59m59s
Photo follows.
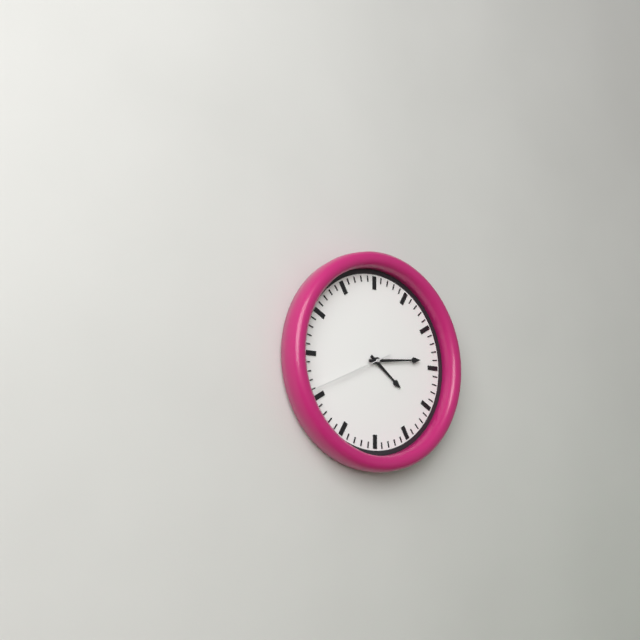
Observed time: 4h14m41s
